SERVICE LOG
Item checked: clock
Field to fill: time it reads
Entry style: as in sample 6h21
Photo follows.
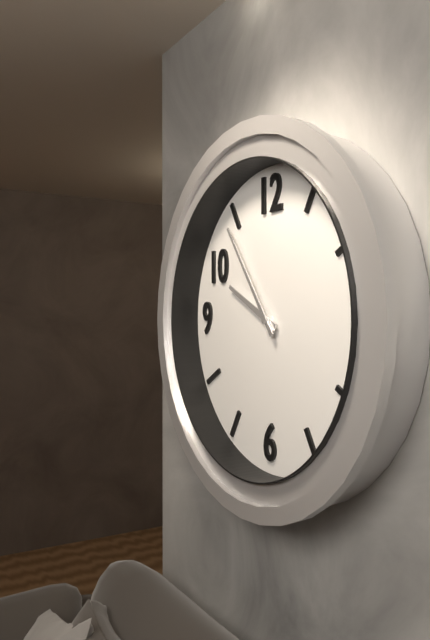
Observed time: 9h54
